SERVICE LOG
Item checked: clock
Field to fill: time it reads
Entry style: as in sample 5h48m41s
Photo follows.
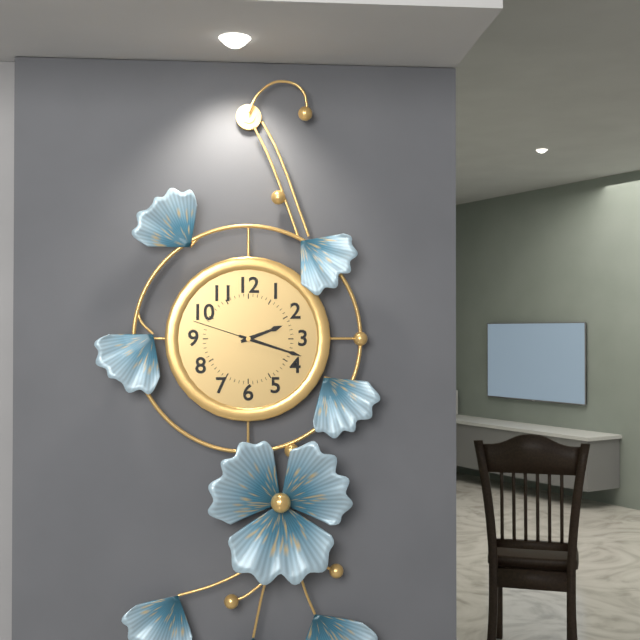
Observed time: 2h18m48s
